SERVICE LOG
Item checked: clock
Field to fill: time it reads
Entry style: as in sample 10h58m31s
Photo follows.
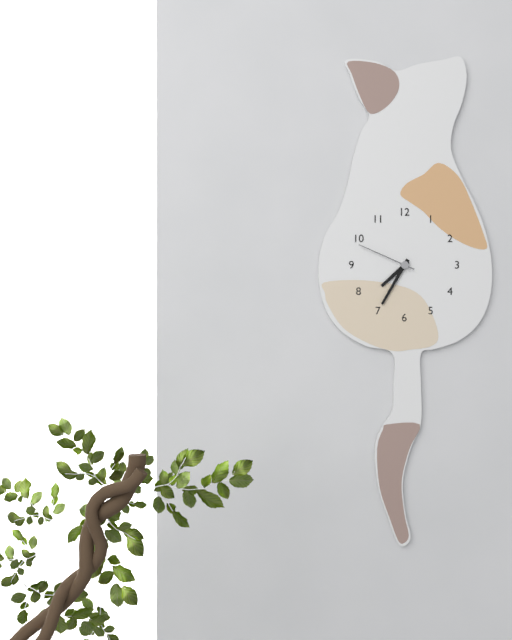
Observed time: 7h35m49s
